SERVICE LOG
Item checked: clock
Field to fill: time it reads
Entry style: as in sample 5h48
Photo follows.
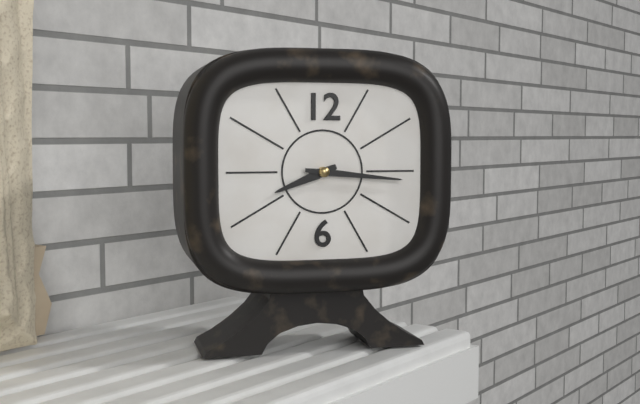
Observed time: 8h16
